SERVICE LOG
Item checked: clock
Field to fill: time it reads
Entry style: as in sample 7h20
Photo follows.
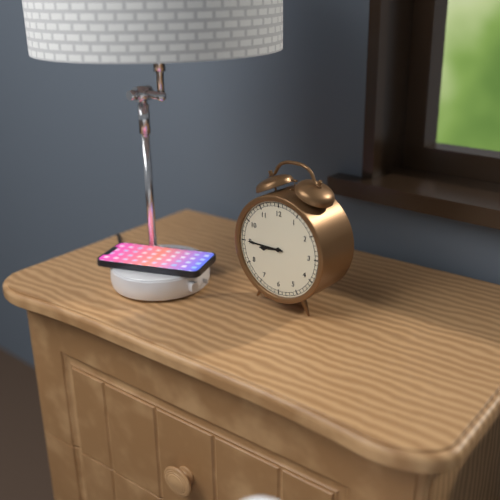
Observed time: 8h45
